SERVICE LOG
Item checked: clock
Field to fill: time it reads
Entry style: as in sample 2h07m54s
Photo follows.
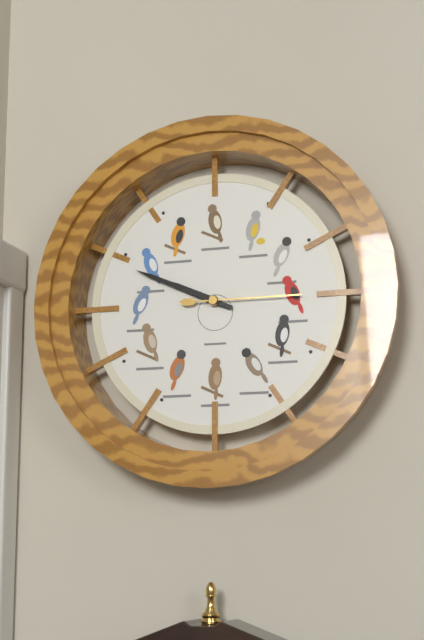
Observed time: 9h49m15s
